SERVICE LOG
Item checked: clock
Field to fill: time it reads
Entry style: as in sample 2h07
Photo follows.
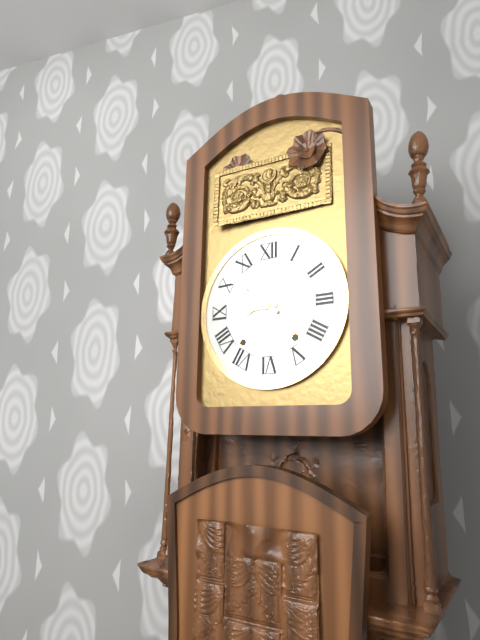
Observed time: 8h51
